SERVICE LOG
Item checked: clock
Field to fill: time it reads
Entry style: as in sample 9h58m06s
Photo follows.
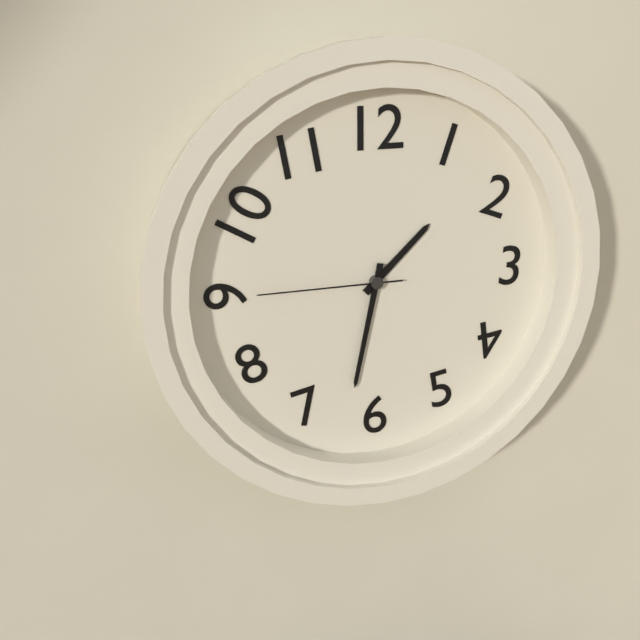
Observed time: 1h32m45s
